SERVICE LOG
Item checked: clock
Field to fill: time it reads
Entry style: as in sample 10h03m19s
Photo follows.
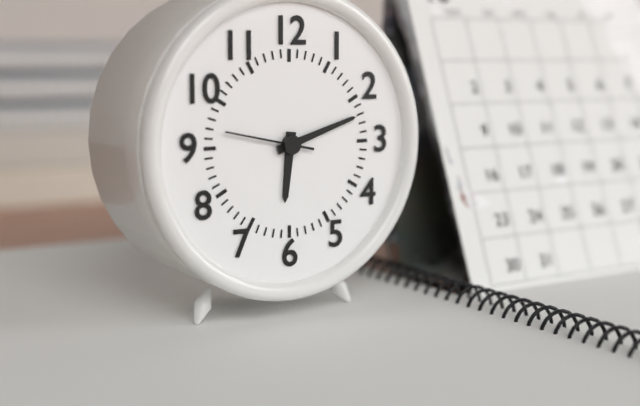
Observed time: 6h12m47s
